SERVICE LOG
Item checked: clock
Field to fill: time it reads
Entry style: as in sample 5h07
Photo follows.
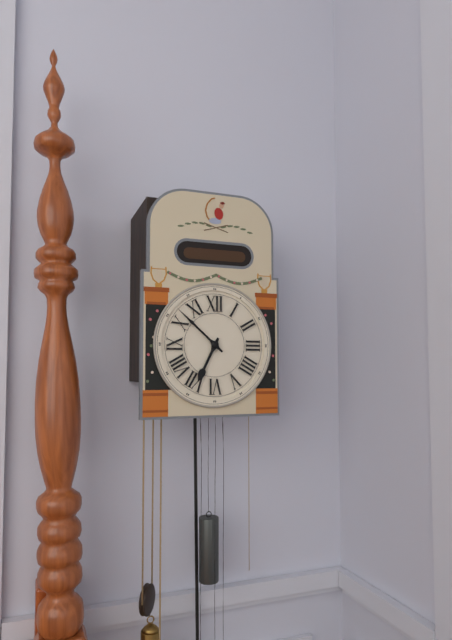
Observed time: 6h52
